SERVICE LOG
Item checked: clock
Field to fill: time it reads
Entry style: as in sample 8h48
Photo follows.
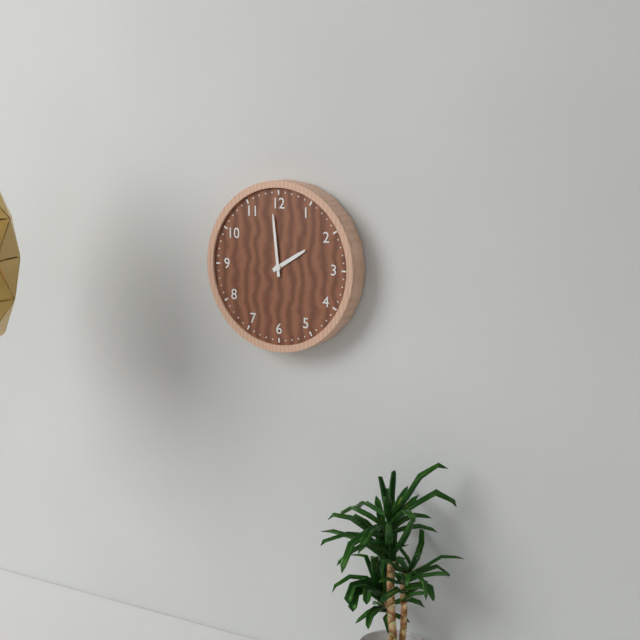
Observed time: 1h59
